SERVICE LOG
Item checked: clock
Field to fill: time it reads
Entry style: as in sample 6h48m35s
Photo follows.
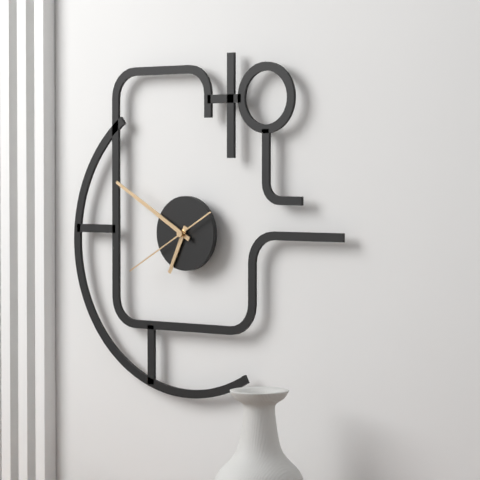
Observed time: 6h50m40s
